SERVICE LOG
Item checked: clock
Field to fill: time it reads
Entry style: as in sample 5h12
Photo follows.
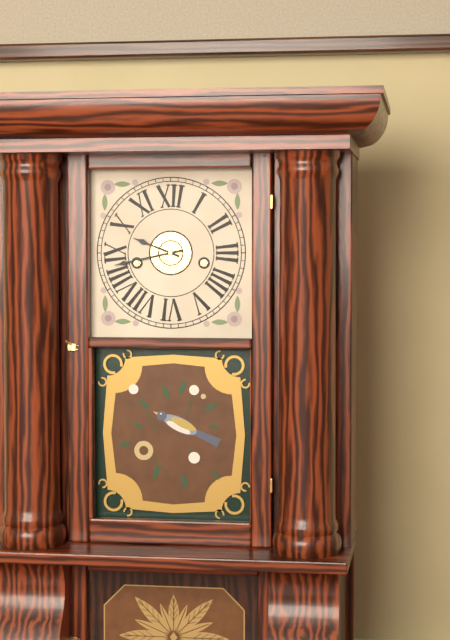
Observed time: 9h43
